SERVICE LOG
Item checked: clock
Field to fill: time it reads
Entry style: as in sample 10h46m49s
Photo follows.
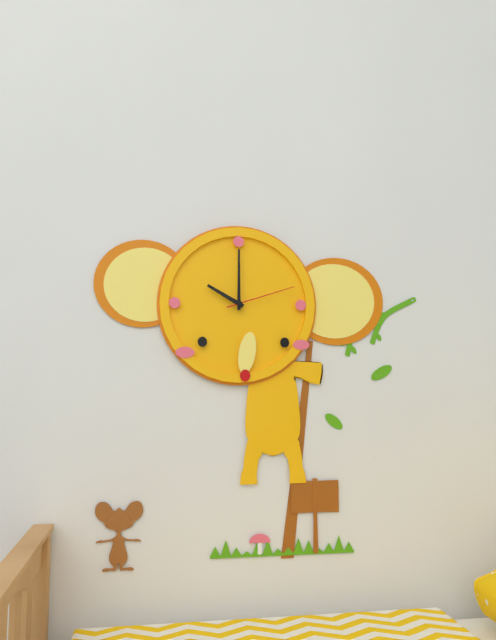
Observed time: 10h00m12s
